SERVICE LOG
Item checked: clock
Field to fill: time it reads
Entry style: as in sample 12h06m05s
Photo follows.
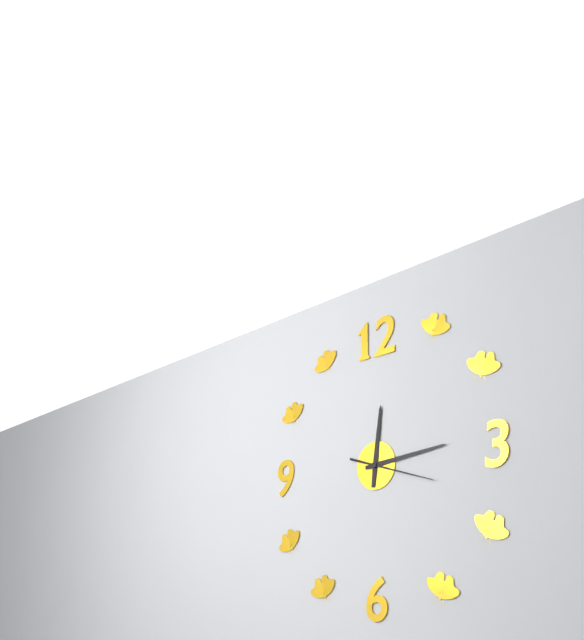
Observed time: 12h14m18s
